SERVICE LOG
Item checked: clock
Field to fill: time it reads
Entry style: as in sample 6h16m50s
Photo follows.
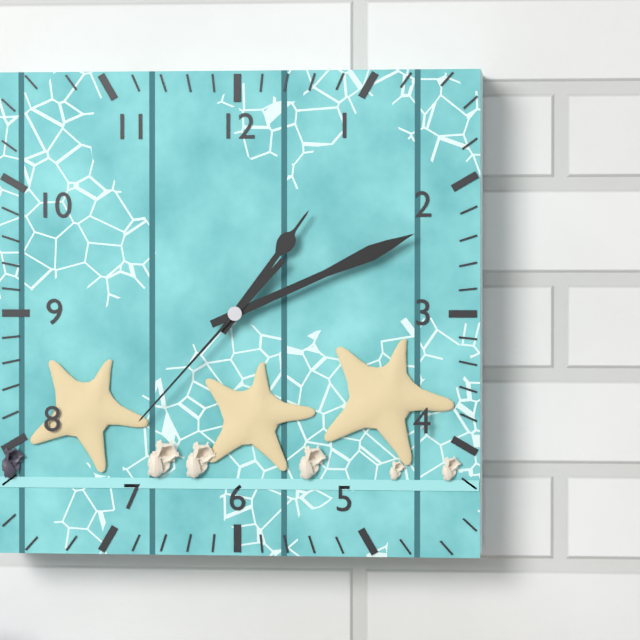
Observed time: 1h11m37s
